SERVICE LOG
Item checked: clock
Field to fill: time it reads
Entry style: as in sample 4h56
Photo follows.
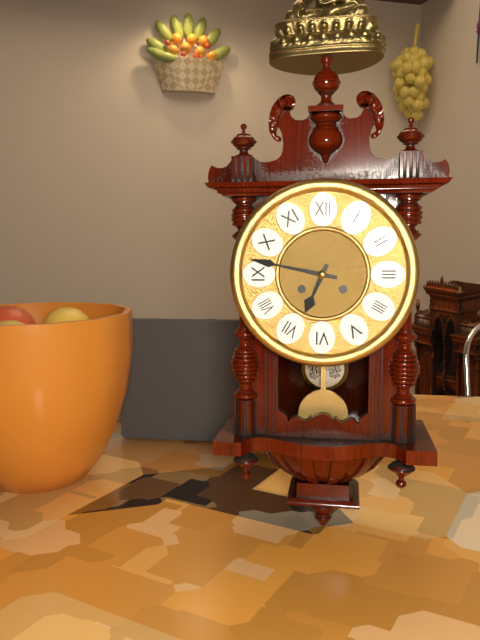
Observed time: 6h47
